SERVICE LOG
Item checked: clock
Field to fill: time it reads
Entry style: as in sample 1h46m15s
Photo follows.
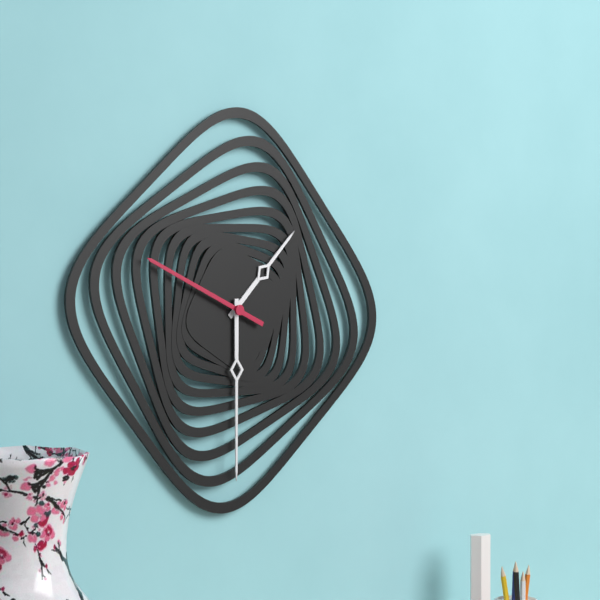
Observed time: 1h30m49s
